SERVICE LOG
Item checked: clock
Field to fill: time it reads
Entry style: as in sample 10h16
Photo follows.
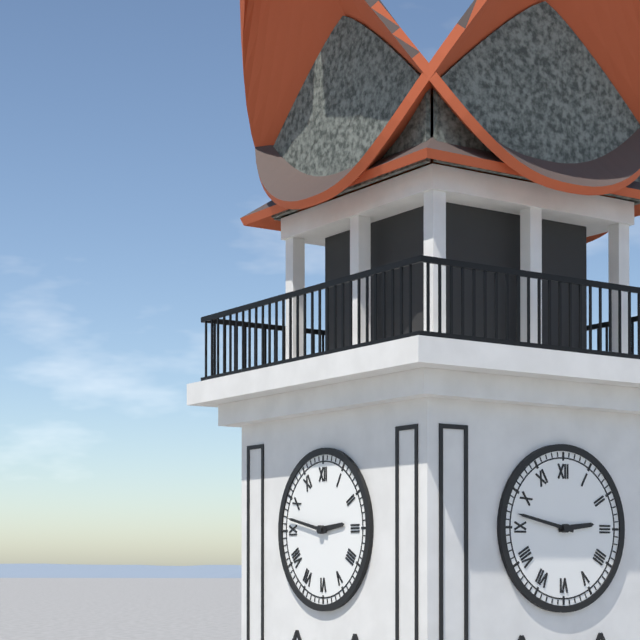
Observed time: 2h47
